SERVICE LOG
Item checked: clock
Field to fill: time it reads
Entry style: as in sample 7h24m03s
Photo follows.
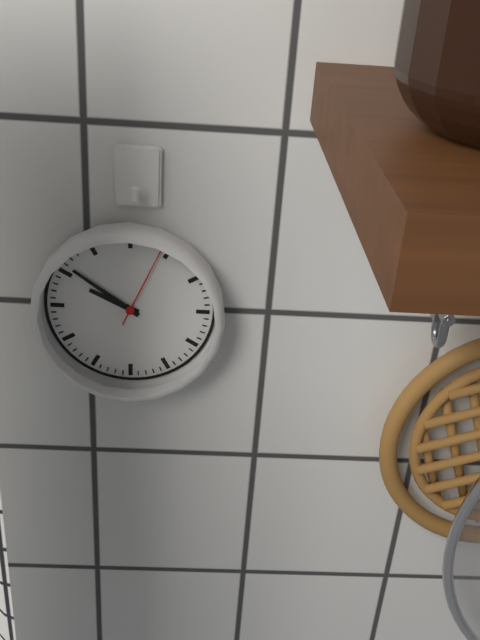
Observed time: 9h51m04s
